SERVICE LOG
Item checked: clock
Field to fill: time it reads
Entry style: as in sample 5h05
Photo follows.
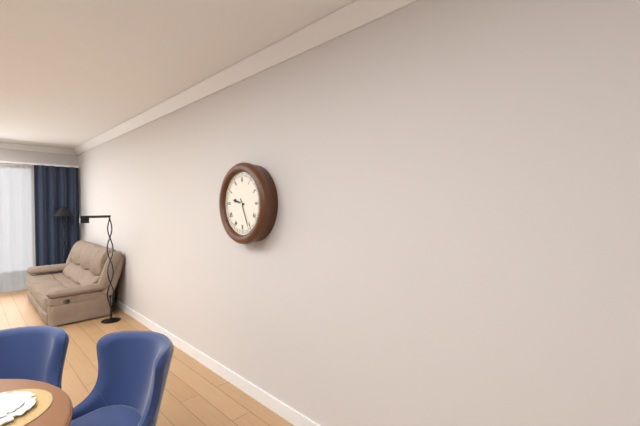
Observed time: 9h26
